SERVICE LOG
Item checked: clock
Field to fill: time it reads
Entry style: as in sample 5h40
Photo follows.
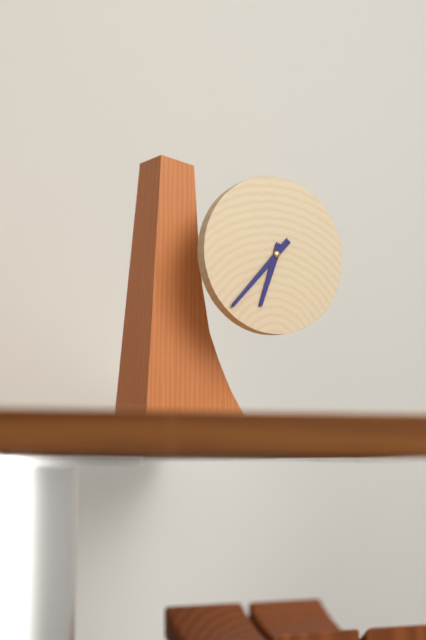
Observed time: 6h37
